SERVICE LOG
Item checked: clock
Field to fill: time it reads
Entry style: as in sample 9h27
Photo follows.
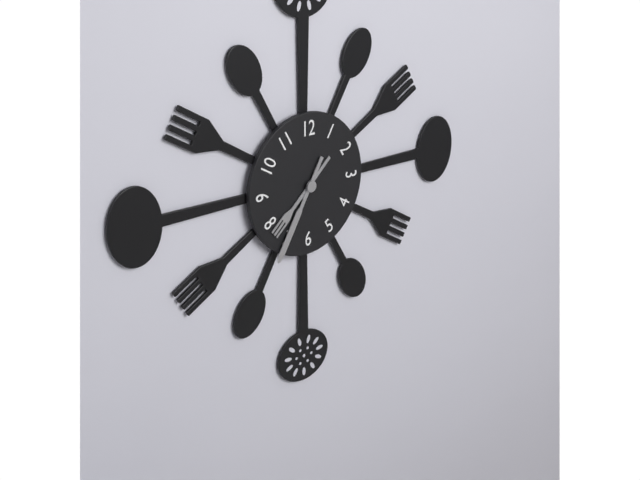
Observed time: 7h35
